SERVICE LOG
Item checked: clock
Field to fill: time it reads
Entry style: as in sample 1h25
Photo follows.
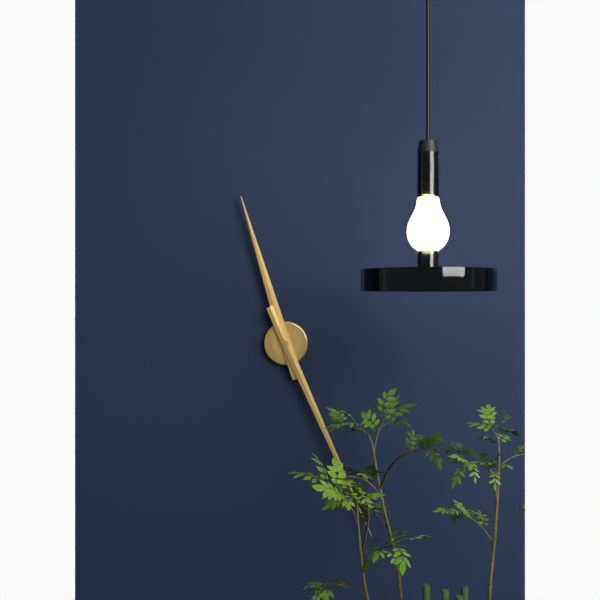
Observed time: 11h26
